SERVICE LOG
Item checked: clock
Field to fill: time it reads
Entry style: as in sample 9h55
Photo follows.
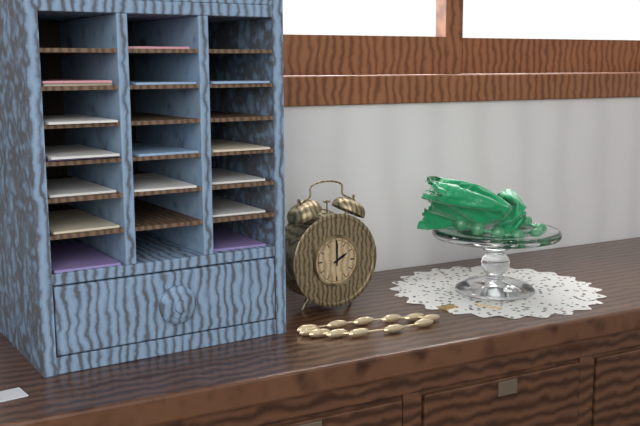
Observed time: 2h00
